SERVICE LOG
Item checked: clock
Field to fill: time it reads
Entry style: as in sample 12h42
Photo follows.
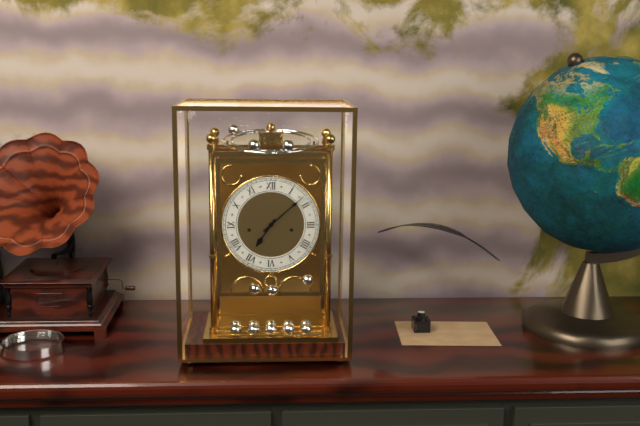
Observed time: 7h08
